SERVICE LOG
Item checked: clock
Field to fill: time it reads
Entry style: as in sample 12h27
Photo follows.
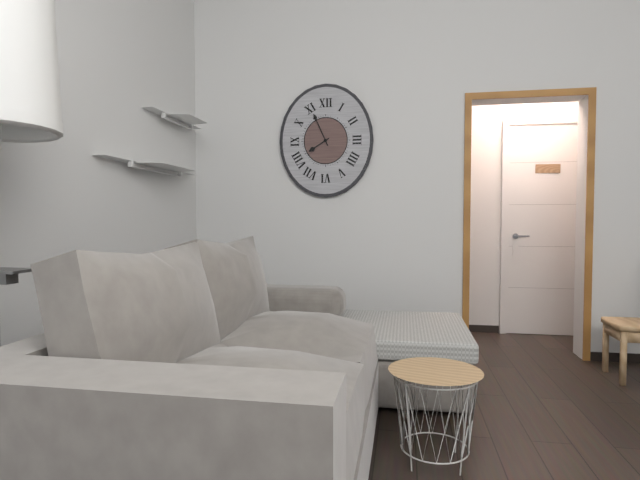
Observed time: 7h56
